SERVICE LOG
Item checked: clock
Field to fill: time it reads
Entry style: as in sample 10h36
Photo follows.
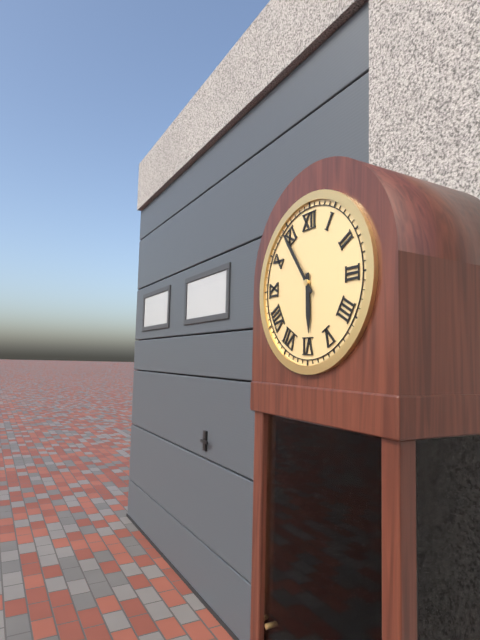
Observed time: 5h54
